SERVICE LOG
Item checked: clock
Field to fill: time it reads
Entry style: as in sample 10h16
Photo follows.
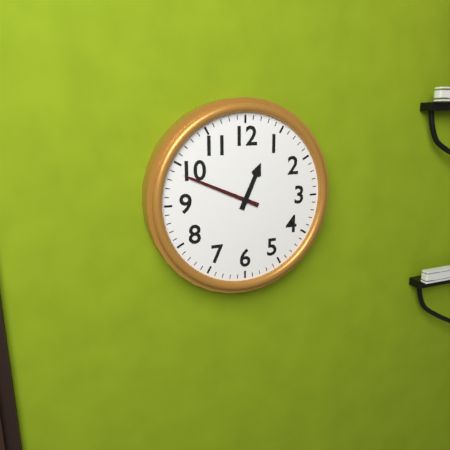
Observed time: 12h49
